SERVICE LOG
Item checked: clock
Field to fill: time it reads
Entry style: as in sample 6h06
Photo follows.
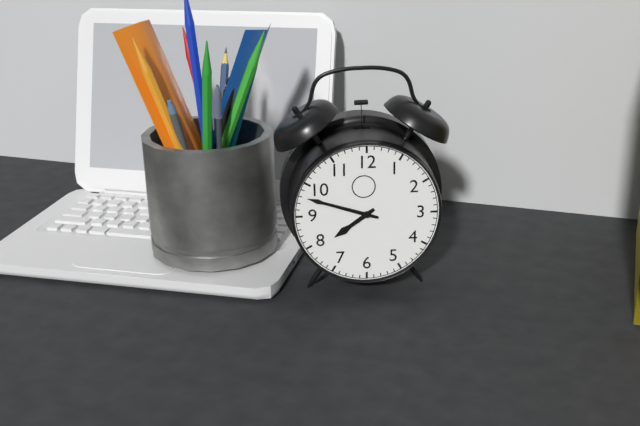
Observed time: 7h48
